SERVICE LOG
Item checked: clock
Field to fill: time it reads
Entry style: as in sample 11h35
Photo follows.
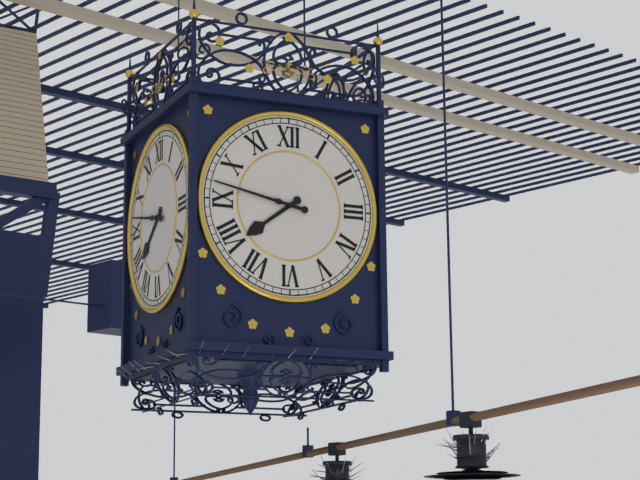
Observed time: 7h47
